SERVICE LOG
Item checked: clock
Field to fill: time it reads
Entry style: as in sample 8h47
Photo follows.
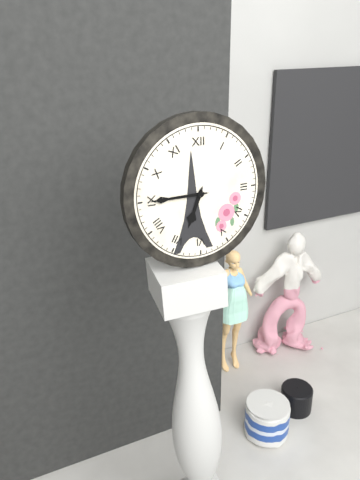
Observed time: 6h45
